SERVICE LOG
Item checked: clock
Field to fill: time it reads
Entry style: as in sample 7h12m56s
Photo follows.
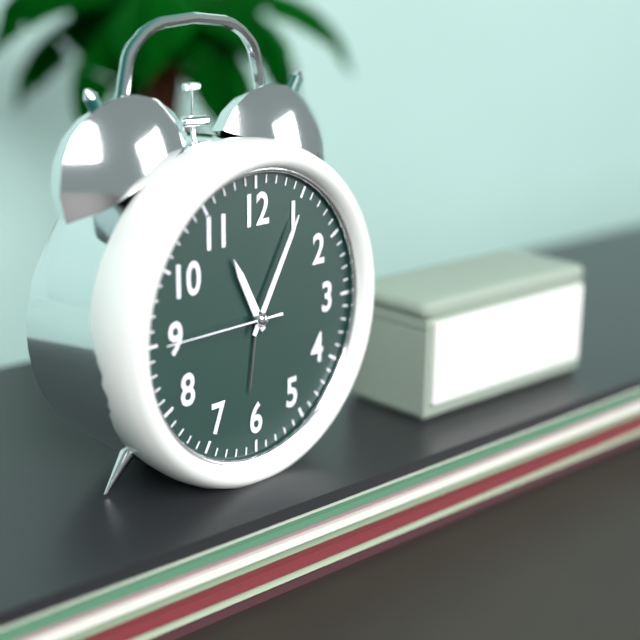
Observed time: 11h05m45s
